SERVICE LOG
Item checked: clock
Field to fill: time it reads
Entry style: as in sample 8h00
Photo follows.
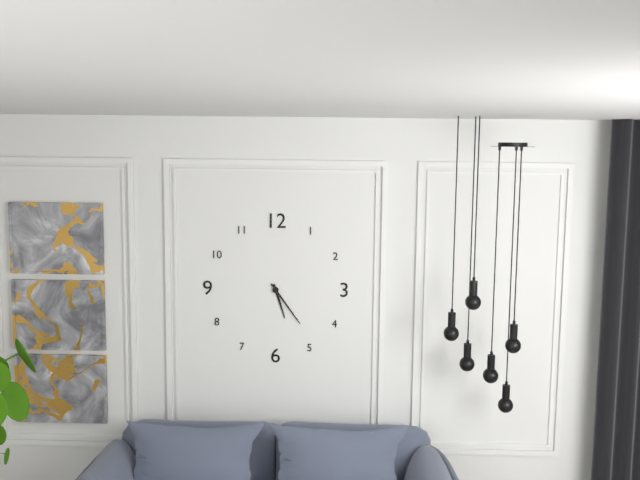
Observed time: 5h24
